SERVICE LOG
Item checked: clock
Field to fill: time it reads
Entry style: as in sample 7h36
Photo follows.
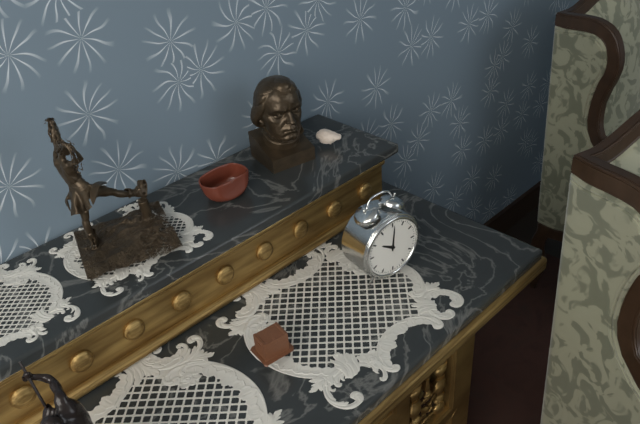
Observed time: 10h01
